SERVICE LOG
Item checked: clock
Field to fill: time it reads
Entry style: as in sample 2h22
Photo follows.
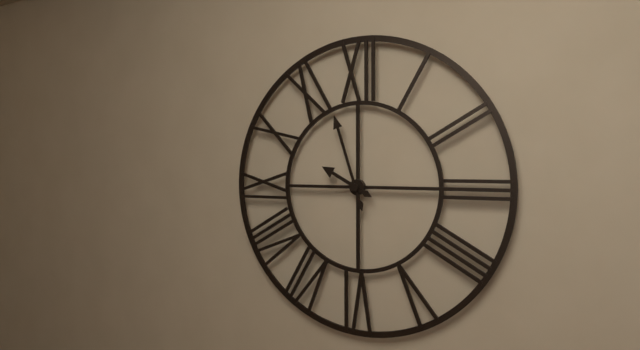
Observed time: 9h57
